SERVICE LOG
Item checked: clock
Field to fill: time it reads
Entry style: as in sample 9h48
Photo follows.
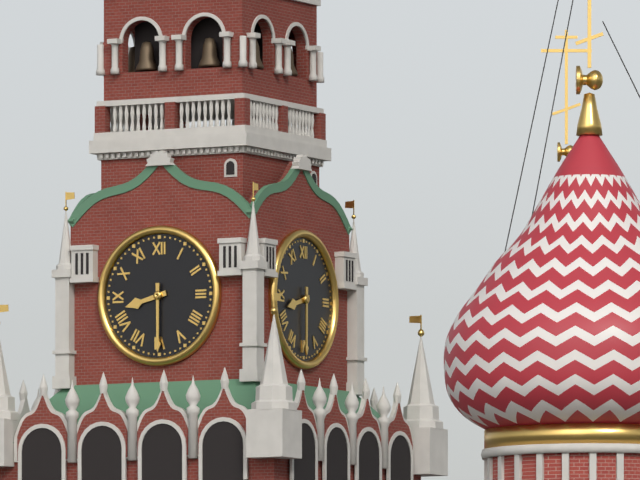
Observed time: 8h30
